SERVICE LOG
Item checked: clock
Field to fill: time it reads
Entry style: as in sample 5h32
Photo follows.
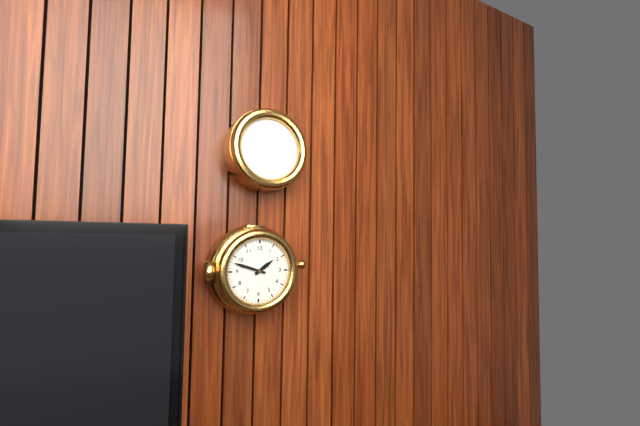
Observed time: 1h48
